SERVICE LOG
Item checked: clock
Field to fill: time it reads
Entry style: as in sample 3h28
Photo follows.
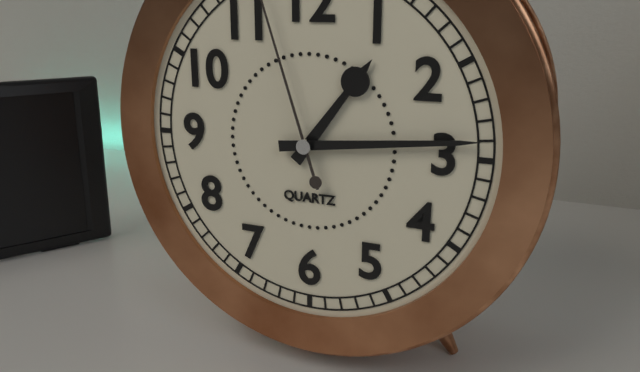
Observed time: 1h14
